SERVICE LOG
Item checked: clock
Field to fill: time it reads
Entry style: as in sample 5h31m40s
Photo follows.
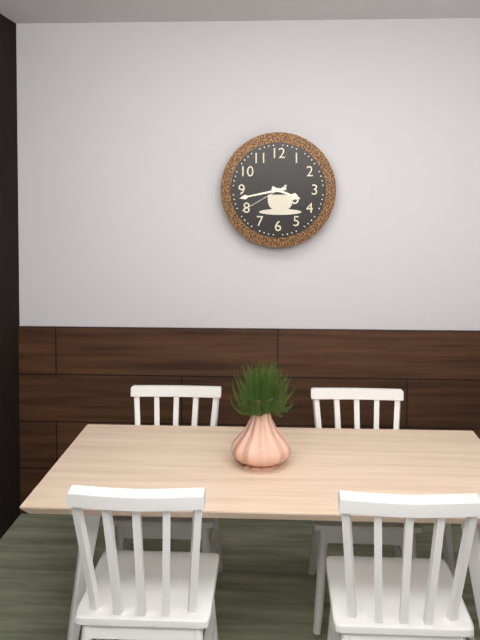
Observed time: 3h43m40s
